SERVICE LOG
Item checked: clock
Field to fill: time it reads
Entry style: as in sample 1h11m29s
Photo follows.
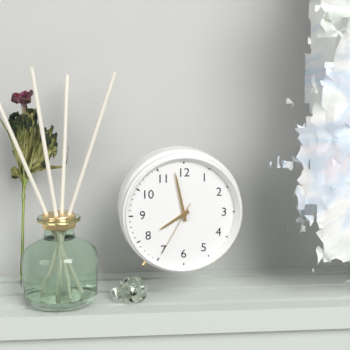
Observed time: 7h58m35s
